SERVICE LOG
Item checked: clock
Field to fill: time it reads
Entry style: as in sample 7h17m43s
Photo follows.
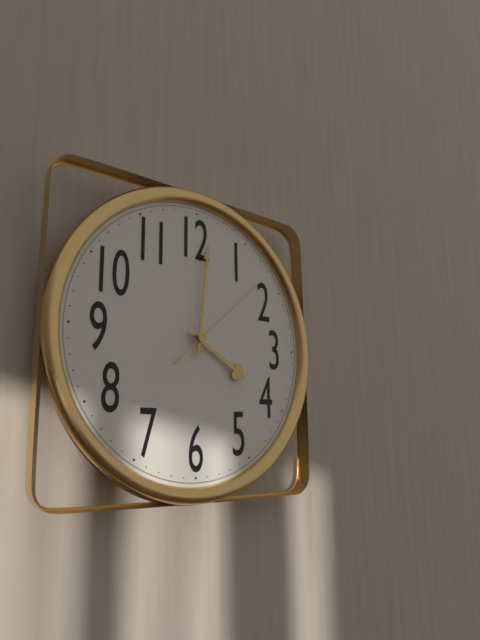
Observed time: 4h01m08s
